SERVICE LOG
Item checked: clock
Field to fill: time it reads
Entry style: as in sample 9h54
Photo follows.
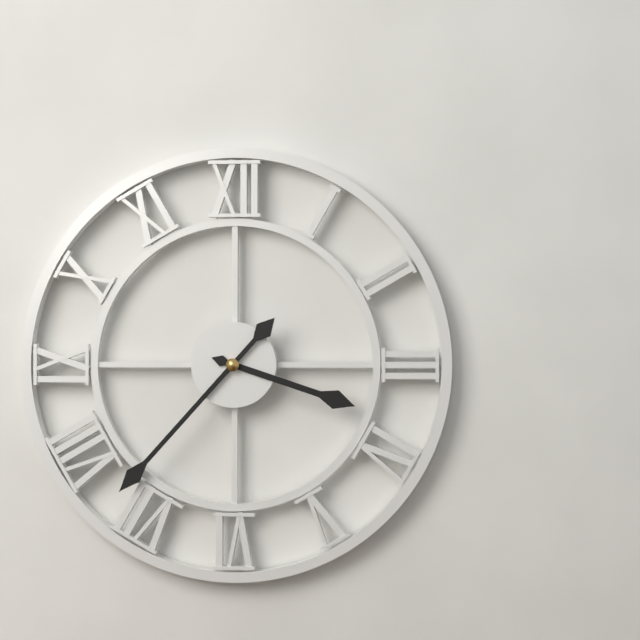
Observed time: 3h37
